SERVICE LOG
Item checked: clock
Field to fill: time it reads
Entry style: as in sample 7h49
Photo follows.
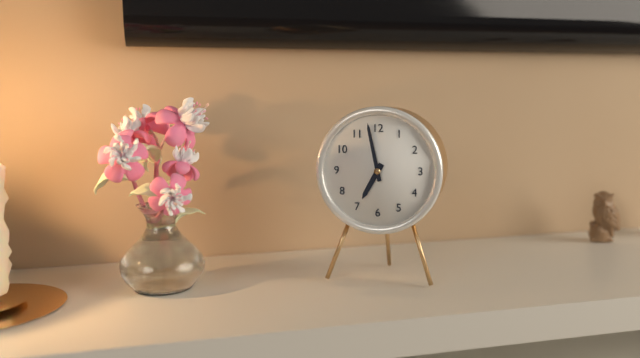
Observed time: 6h58
